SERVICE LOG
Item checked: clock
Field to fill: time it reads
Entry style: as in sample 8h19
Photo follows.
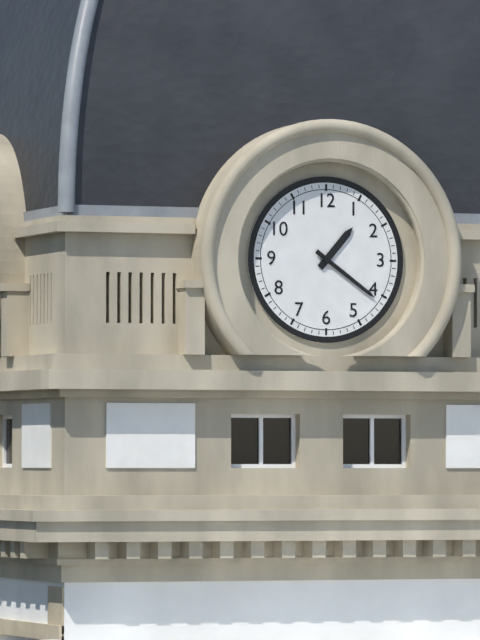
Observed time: 1h21
